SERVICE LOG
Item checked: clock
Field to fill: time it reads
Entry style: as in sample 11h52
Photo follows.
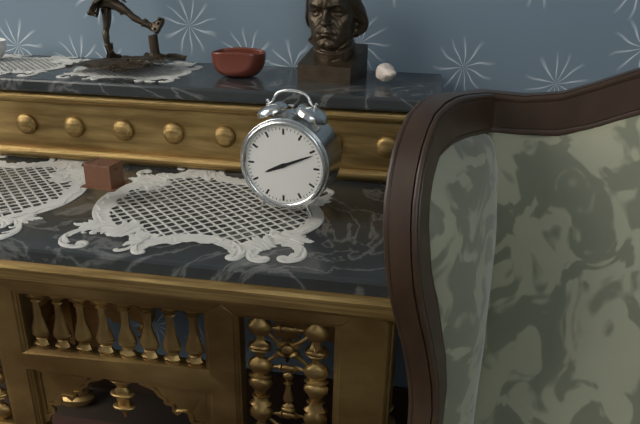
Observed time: 8h11
